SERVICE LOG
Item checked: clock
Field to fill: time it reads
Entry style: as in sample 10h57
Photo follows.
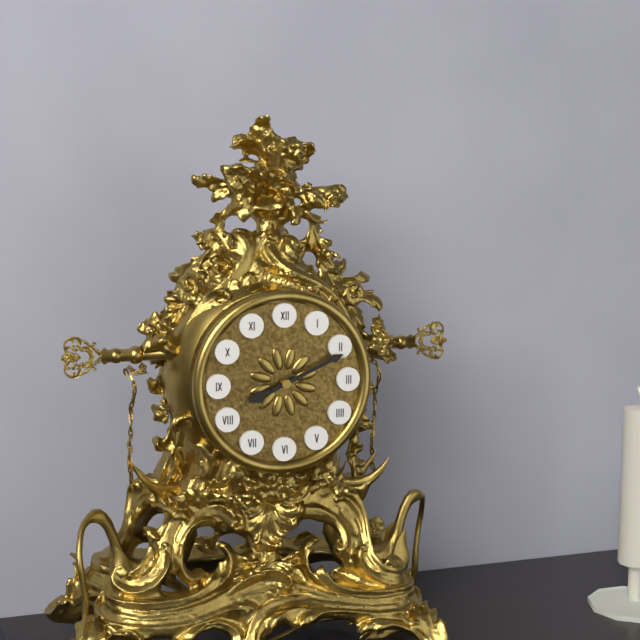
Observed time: 8h11
